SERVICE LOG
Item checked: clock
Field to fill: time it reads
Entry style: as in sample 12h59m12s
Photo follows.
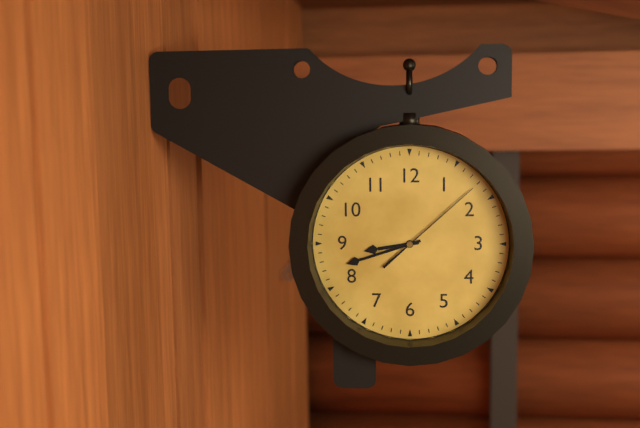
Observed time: 8h42m08s
